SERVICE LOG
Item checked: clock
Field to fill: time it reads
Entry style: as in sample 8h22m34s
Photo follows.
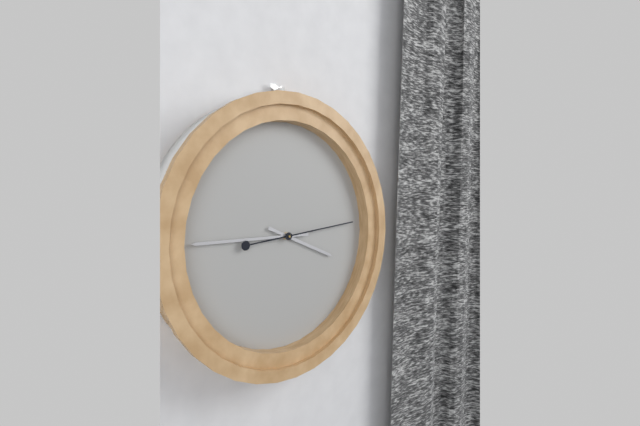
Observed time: 3h45m14s
